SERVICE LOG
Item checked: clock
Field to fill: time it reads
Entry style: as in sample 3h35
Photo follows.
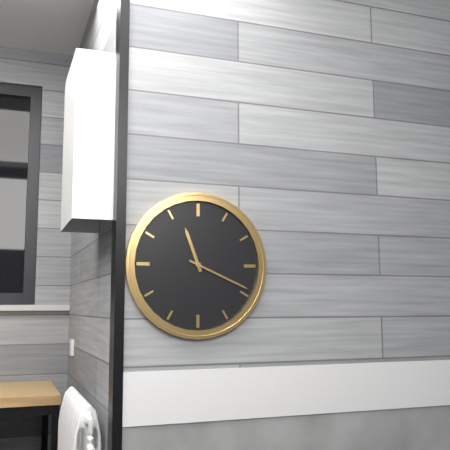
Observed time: 11h19
